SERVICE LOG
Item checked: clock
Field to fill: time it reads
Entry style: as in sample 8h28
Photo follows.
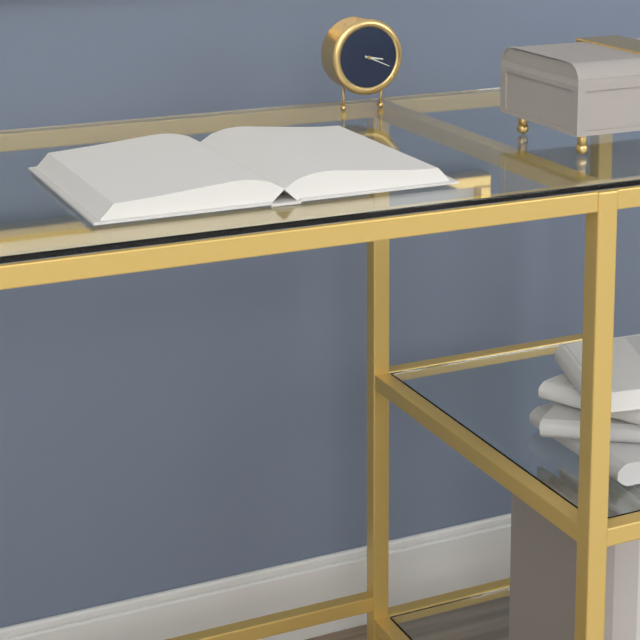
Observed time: 3h19
